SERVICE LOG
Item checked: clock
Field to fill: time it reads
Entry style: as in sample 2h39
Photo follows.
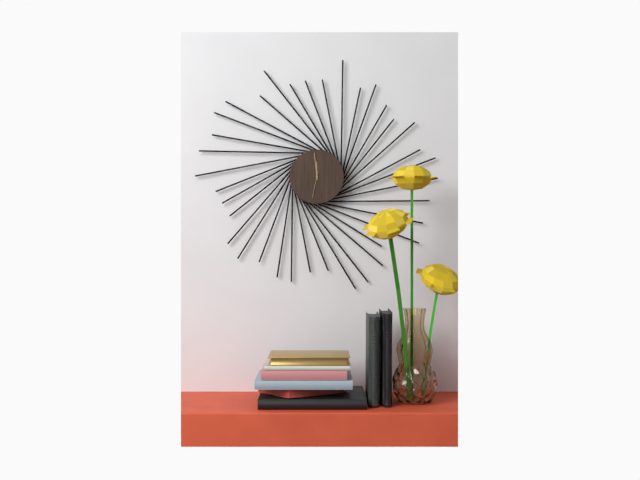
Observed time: 11h59
